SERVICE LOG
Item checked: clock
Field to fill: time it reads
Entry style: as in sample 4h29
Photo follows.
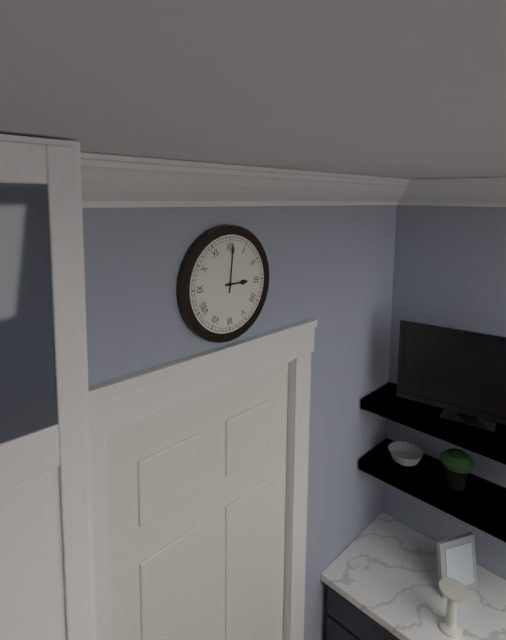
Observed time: 3h01
